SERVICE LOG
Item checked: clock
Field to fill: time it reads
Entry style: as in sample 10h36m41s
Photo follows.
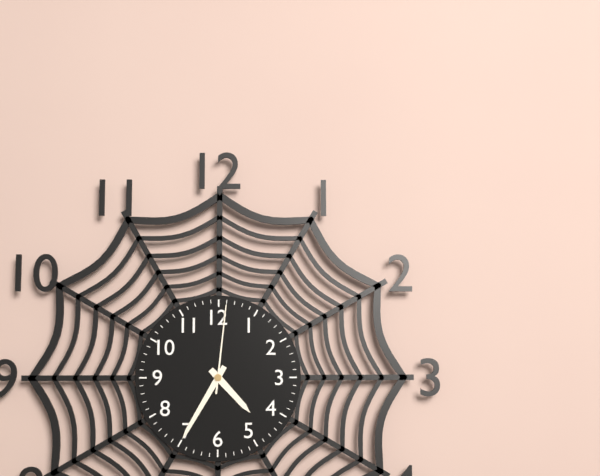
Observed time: 4h35m01s
